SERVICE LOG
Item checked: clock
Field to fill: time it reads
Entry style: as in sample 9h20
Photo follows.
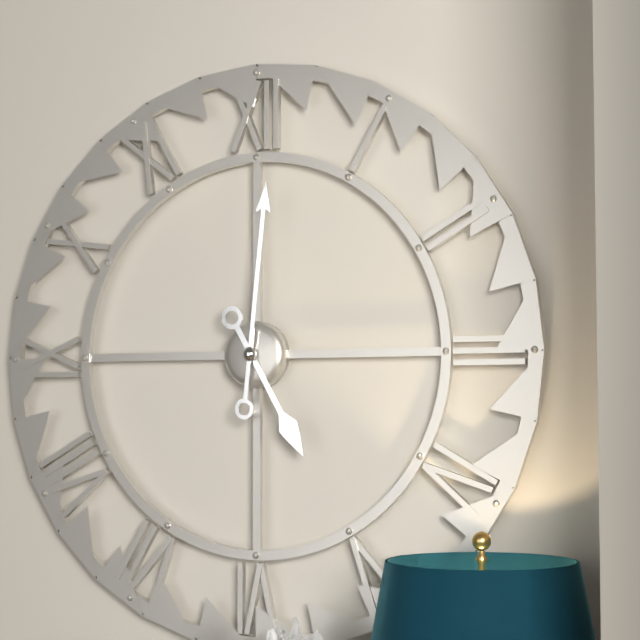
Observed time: 5h01
